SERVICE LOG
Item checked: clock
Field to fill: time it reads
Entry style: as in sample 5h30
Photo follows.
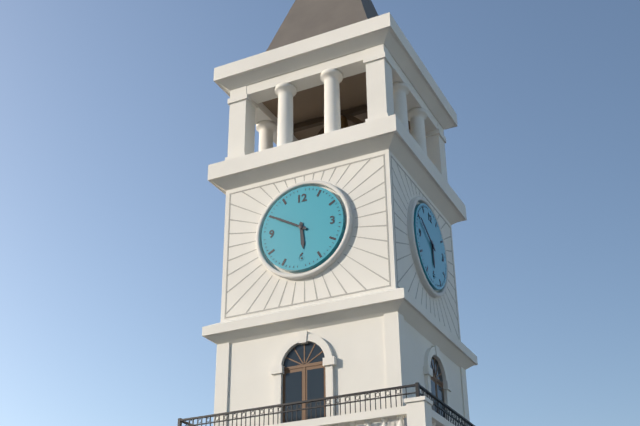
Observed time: 5h50
